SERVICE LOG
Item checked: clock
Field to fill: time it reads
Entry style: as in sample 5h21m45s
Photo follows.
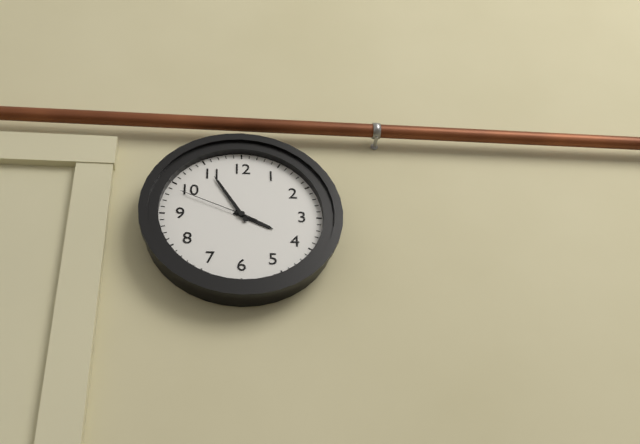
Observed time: 3h55m49s
